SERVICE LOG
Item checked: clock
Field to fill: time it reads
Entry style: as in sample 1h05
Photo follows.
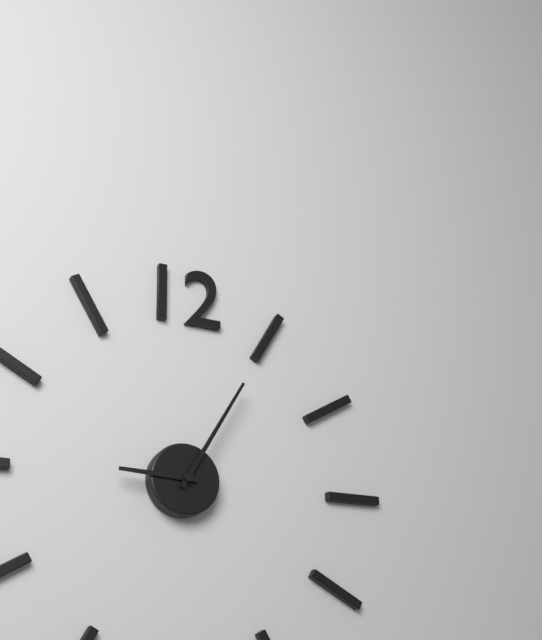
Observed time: 9h05
